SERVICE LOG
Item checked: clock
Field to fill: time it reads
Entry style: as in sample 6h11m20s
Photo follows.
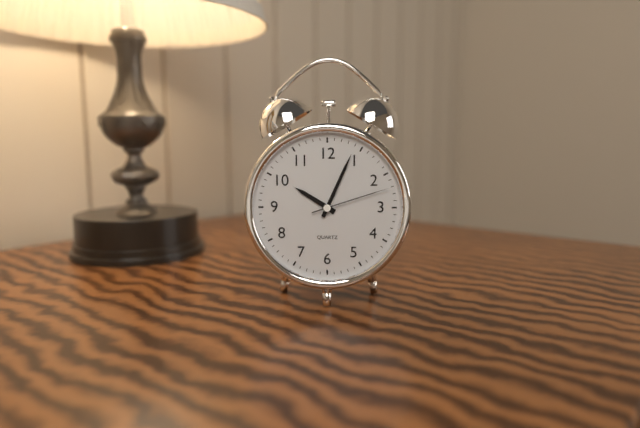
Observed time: 10h04m12s
